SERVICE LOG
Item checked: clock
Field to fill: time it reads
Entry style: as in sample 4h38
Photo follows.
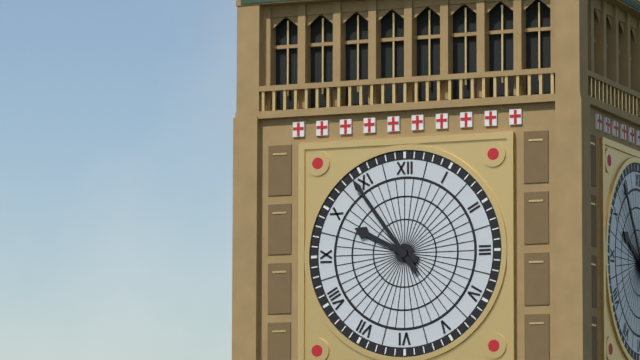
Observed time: 9h54
